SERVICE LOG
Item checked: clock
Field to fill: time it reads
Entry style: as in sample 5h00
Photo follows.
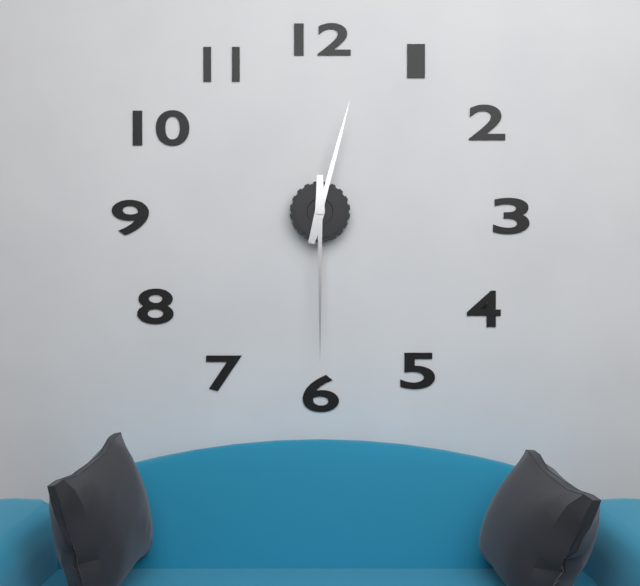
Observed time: 12h30
